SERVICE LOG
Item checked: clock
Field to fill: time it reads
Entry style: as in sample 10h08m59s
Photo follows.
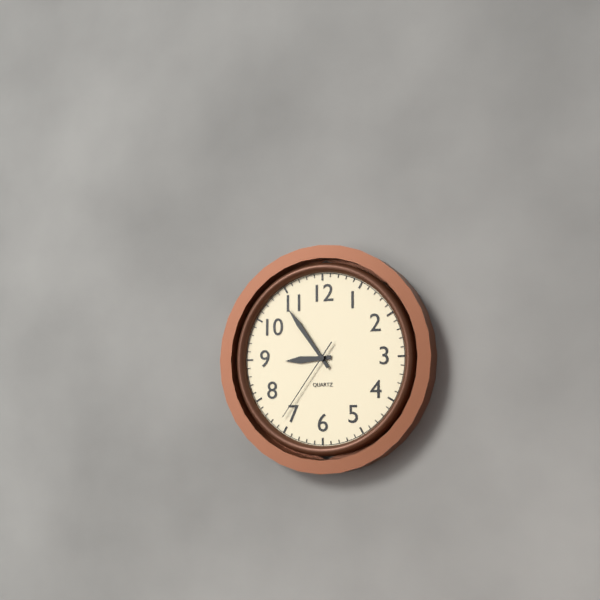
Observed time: 8h54m36s
